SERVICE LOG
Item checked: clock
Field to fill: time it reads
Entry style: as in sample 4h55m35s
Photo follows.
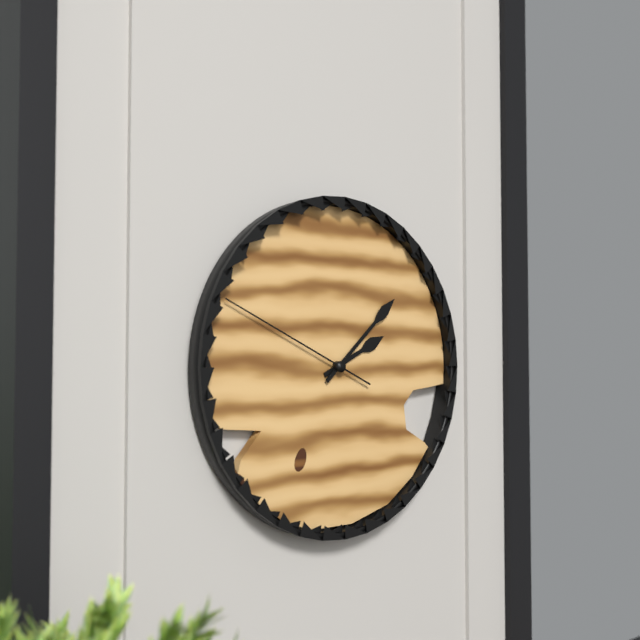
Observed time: 2h08m49s
